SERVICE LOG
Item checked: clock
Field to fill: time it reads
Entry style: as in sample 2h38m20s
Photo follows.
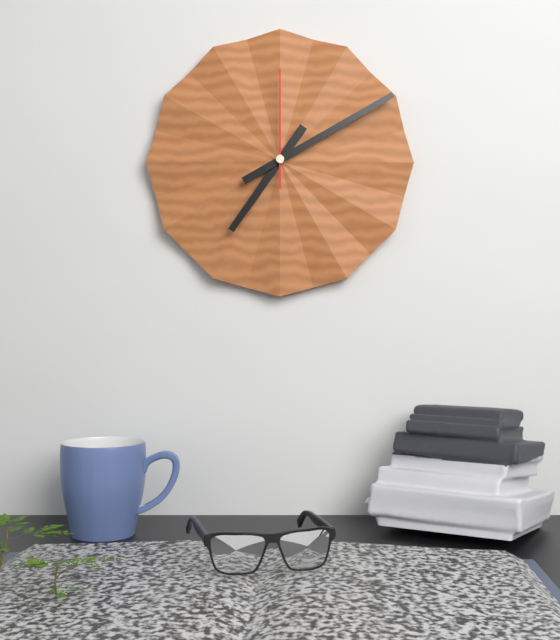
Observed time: 7h10m00s
